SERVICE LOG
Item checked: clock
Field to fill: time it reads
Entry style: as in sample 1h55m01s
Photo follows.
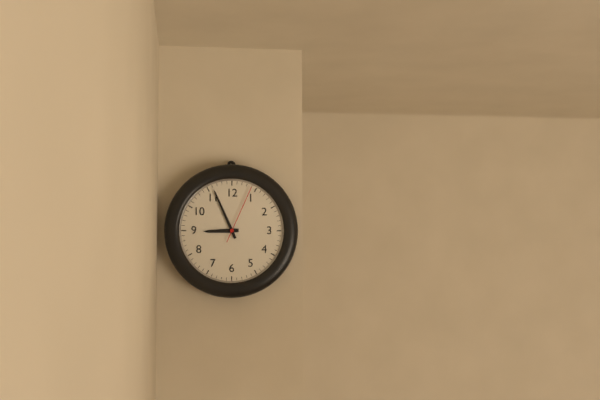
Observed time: 8h56m04s
